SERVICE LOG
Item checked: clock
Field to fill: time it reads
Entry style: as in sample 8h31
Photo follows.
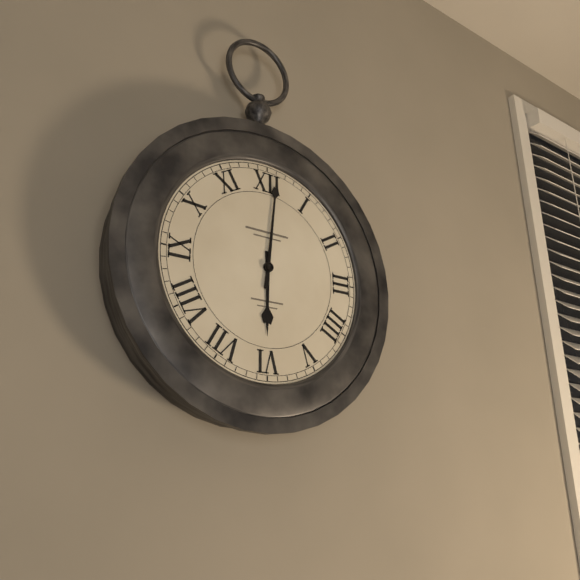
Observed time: 6h01
